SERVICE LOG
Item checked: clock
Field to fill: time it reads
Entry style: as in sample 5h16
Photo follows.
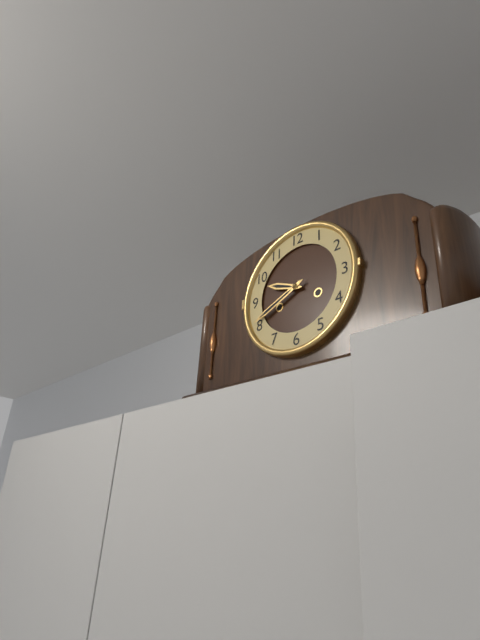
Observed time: 9h41
